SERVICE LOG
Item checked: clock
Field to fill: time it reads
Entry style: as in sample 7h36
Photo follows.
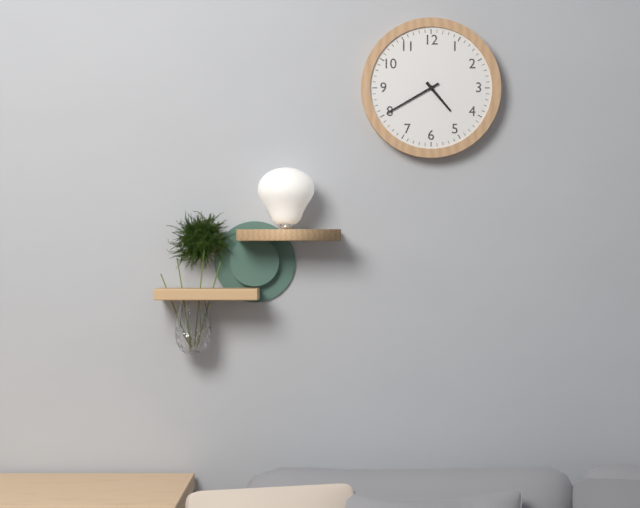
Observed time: 4h40
